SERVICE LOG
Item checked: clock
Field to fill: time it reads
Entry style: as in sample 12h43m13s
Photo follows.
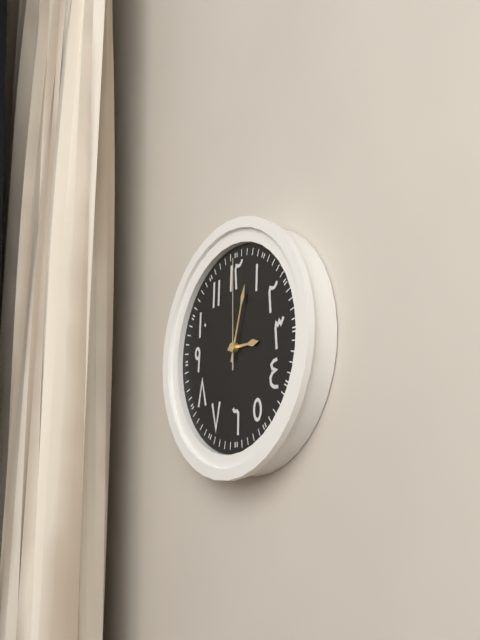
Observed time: 3h03m00s
